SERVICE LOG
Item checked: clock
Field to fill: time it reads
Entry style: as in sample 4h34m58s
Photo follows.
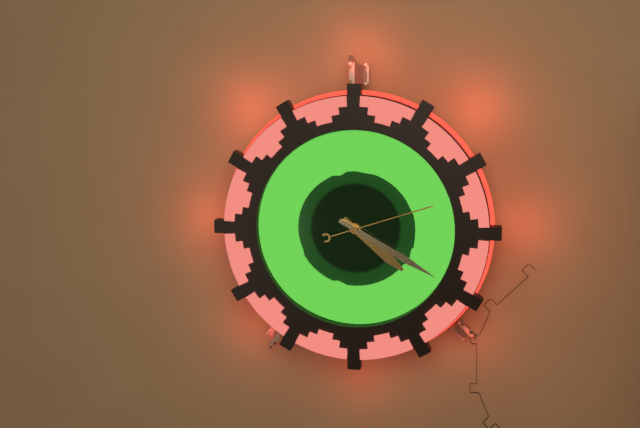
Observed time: 4h20m12s
